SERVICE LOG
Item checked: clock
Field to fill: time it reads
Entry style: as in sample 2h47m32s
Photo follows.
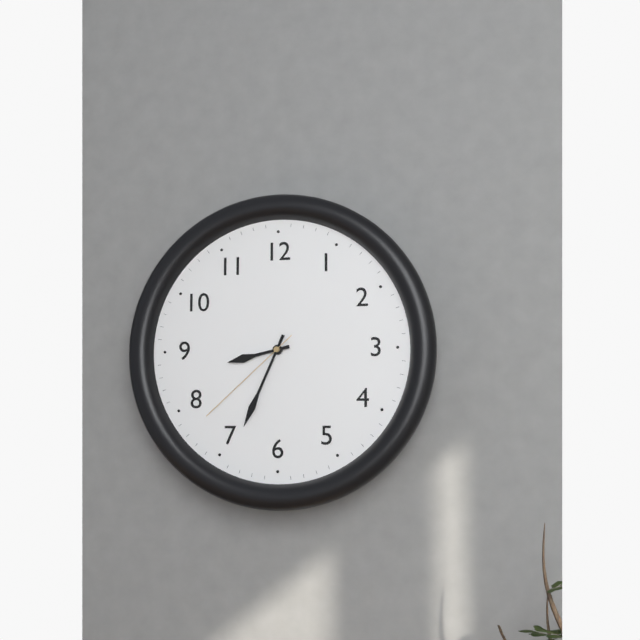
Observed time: 8h34m38s
